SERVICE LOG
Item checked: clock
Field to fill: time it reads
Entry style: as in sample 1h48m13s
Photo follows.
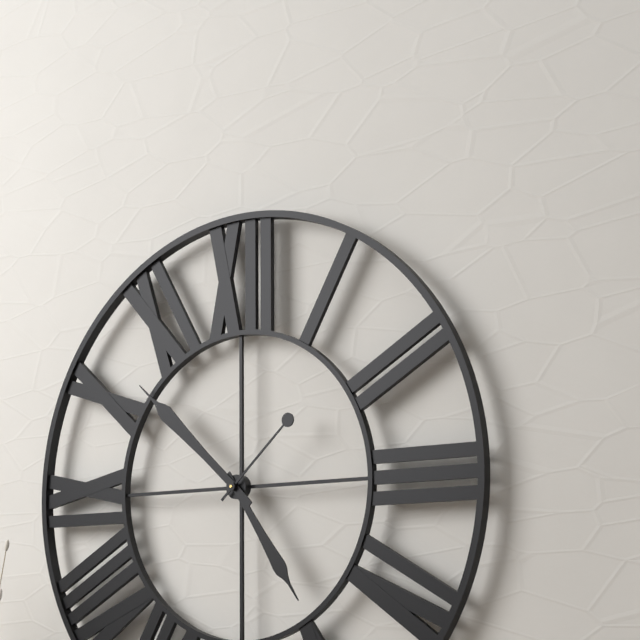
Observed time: 4h52m08s
